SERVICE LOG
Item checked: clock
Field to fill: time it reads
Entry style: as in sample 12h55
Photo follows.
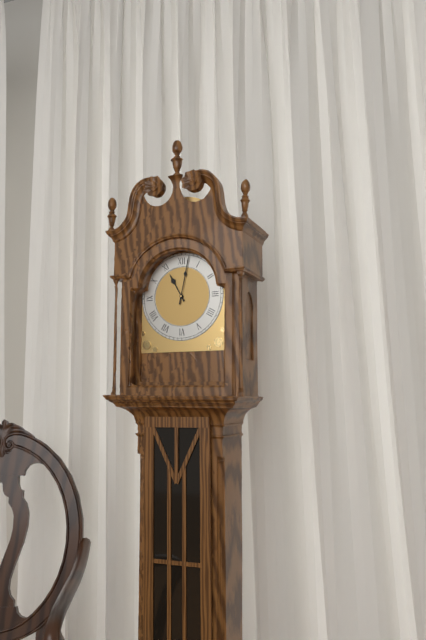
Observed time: 11h02
